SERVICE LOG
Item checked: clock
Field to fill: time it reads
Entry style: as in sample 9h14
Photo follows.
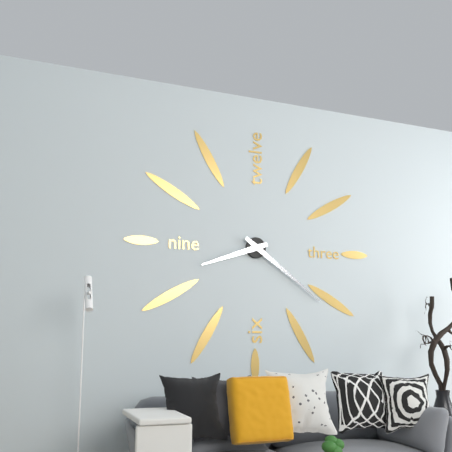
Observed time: 8h21
